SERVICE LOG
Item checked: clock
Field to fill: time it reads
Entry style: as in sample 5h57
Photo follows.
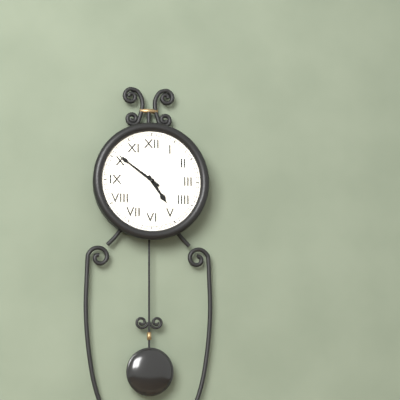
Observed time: 4h51
